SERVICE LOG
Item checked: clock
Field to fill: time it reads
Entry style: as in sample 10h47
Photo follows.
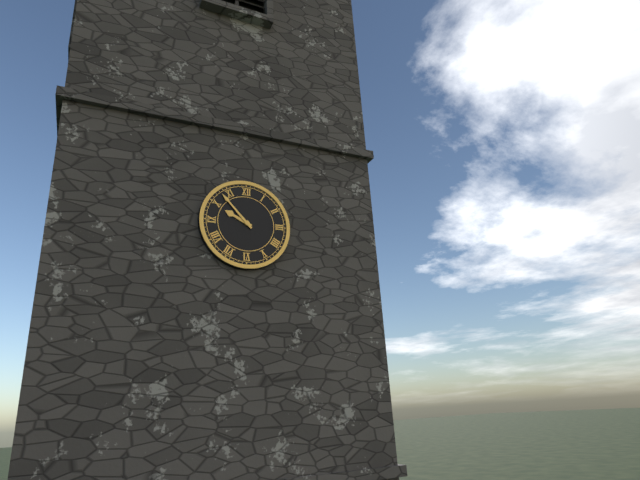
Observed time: 9h53
